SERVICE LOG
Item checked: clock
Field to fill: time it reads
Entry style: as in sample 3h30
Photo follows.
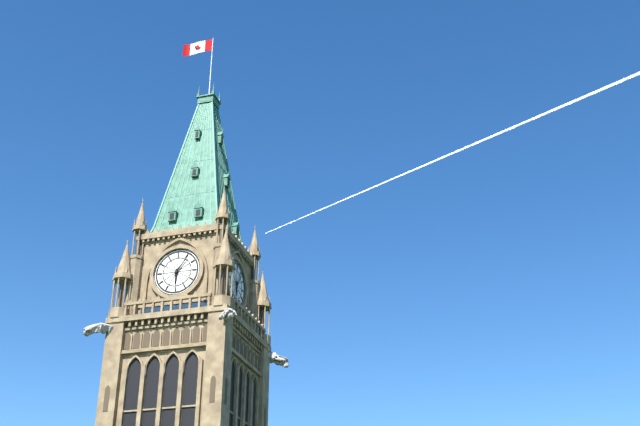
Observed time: 6h06
